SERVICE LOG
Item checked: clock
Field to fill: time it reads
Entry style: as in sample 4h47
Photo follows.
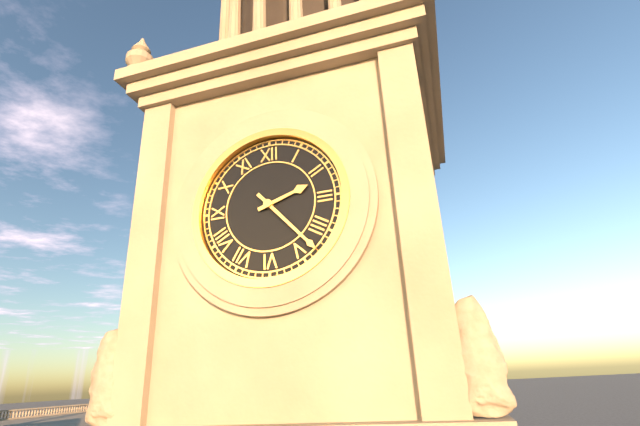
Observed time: 2h23
